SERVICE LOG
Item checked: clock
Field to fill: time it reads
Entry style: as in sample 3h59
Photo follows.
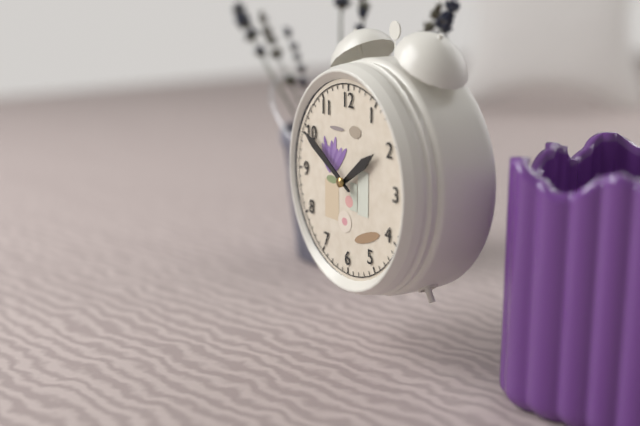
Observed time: 1h50
